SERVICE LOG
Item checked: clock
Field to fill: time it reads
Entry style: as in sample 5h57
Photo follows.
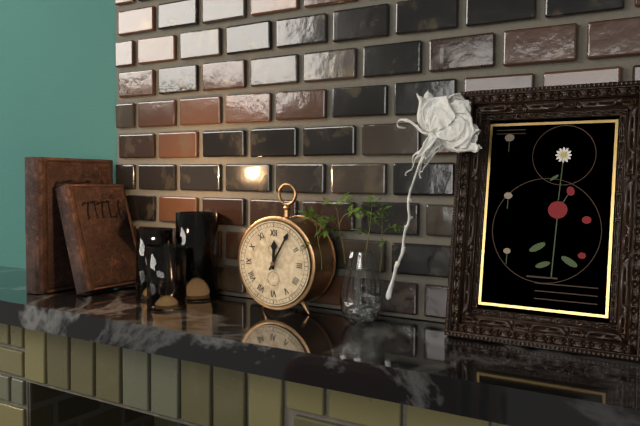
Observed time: 12h05
